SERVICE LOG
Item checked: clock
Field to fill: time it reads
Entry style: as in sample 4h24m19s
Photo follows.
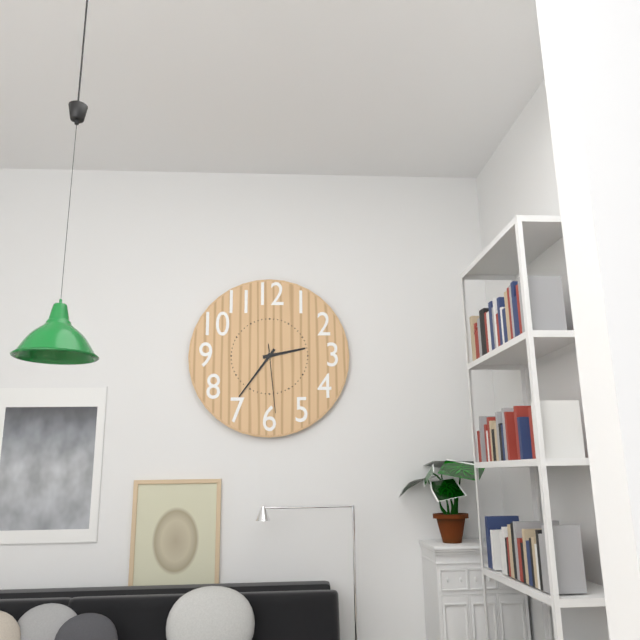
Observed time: 2h36m29s
